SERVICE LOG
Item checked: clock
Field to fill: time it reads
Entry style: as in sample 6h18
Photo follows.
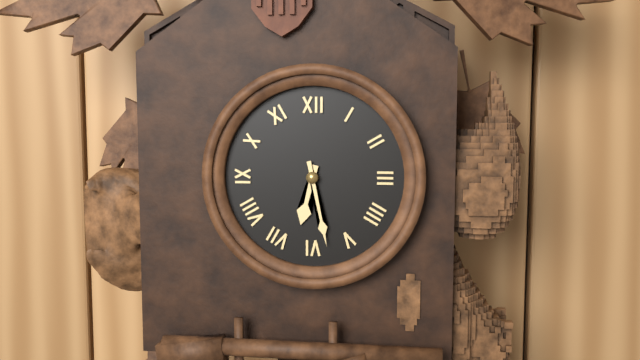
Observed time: 6h28
